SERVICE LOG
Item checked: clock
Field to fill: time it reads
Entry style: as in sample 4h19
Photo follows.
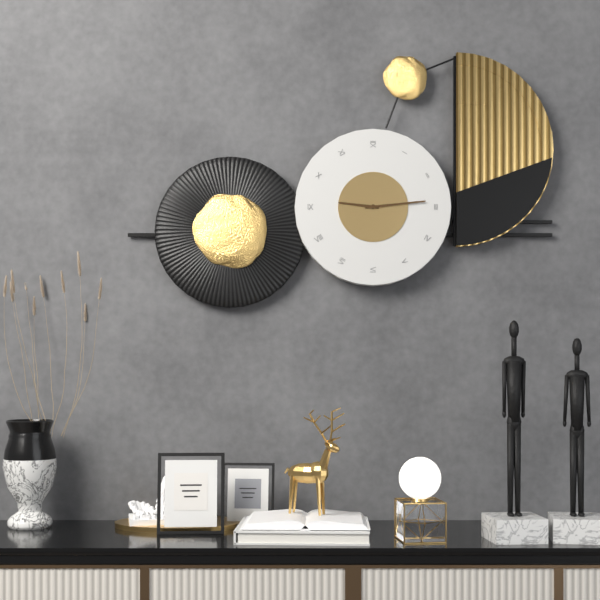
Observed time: 9h14
